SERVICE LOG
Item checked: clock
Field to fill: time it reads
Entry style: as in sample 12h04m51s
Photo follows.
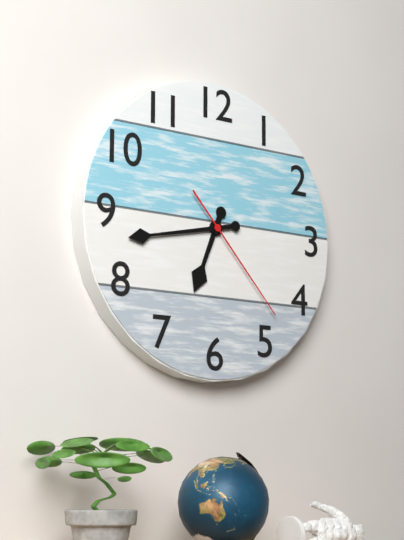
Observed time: 6h43m23s
